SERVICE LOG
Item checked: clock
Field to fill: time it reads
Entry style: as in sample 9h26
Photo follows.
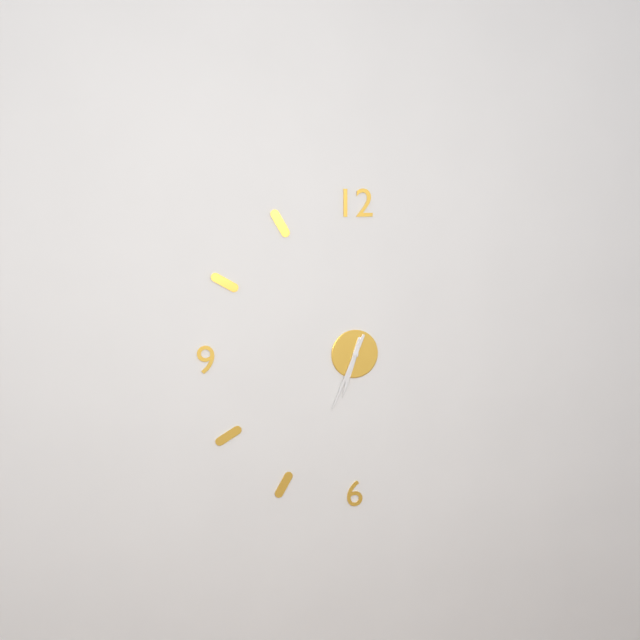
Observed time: 6h34
